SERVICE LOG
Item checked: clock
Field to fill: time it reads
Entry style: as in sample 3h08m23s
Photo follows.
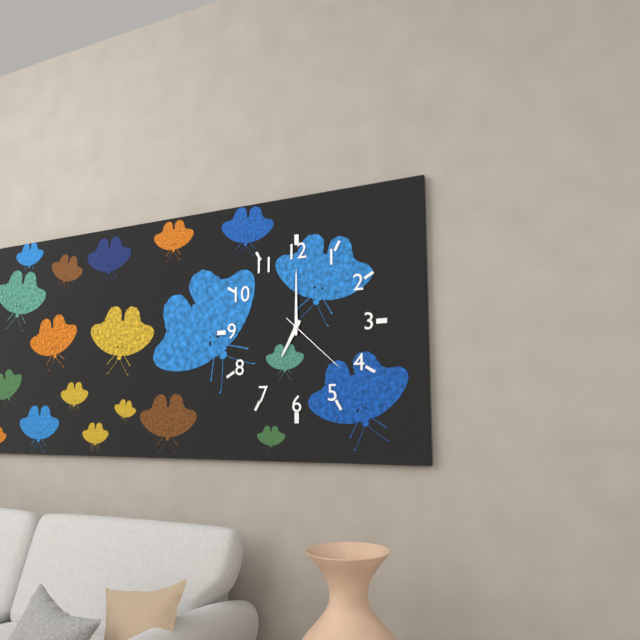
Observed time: 7h00m22s
